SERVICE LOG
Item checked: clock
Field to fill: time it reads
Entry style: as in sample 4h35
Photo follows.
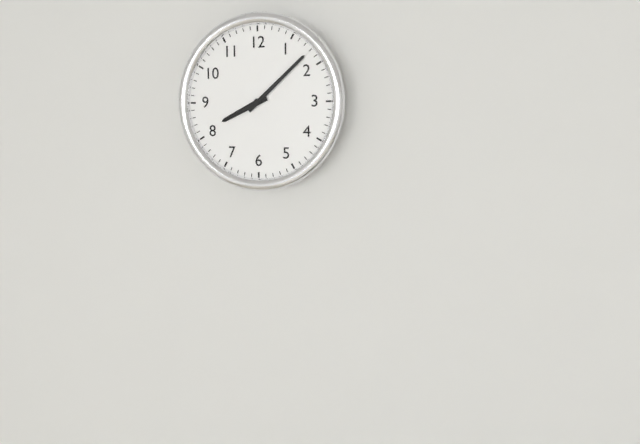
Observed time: 8h08
